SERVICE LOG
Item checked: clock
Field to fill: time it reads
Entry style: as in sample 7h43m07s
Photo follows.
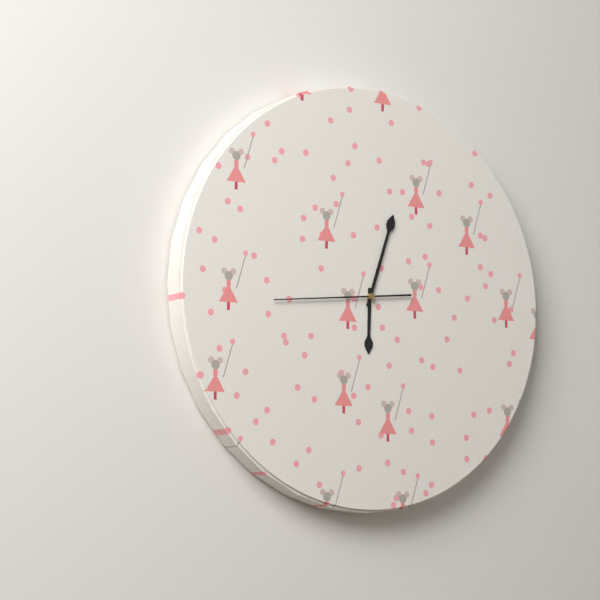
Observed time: 6h03m44s
